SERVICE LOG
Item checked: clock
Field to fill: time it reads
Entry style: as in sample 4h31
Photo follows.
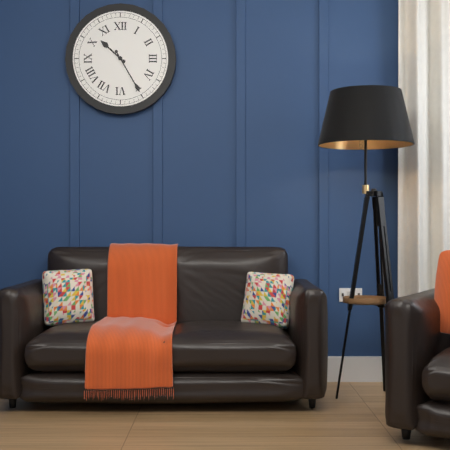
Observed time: 10h25
